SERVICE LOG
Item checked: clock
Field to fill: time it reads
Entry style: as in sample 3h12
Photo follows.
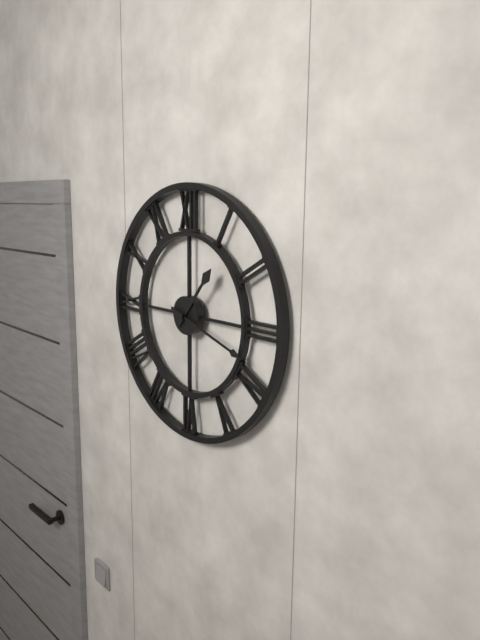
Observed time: 1h18
